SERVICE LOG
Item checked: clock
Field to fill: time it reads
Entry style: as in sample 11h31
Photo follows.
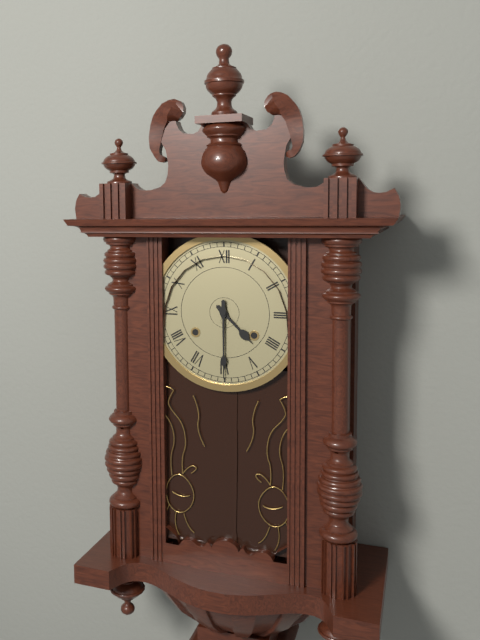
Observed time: 4h30
